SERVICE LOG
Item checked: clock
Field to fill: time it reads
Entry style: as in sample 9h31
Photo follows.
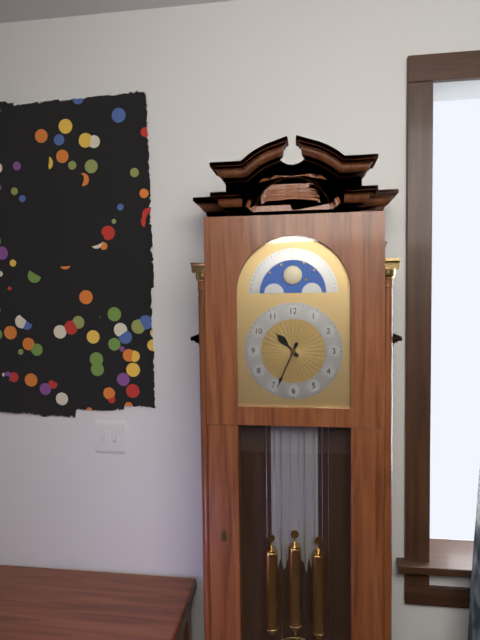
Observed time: 10h34
